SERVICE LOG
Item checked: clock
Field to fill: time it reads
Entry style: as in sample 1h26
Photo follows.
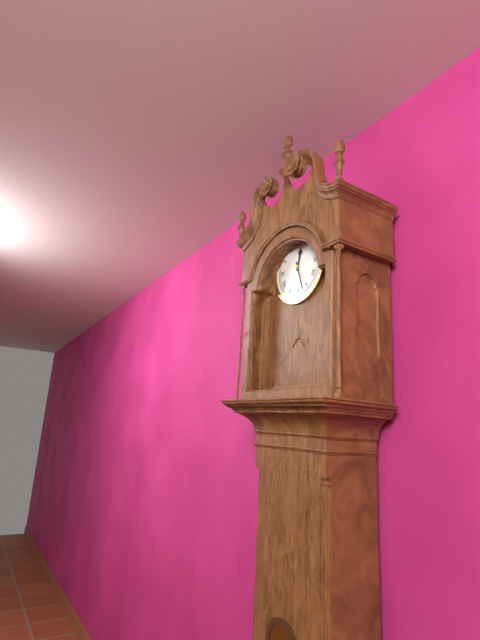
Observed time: 12h27
